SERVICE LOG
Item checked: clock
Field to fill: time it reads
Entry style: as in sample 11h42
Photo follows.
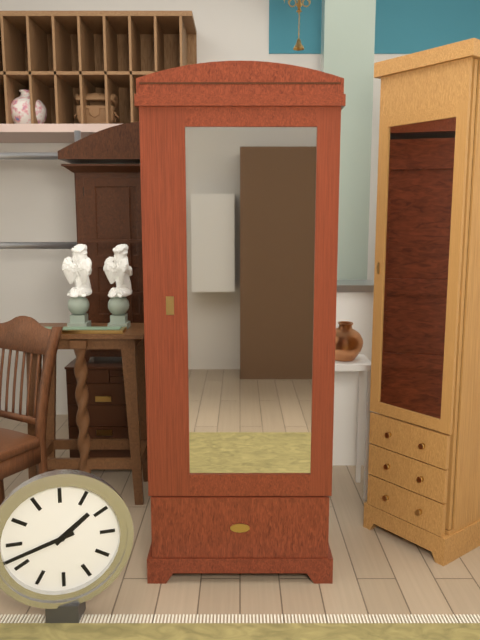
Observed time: 1h42
